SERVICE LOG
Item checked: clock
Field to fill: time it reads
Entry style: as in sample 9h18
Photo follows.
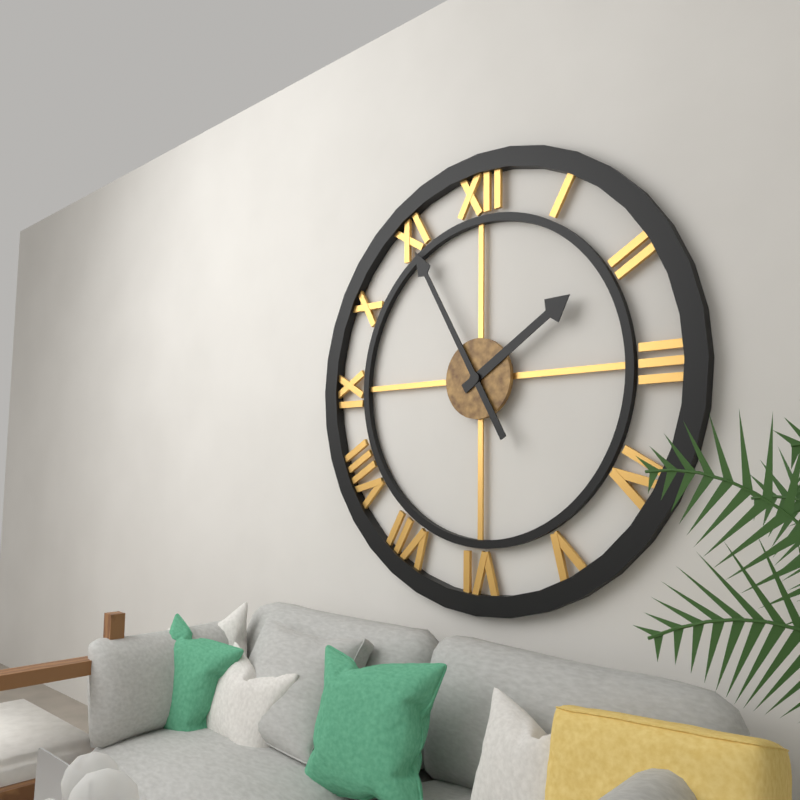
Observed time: 1h55
